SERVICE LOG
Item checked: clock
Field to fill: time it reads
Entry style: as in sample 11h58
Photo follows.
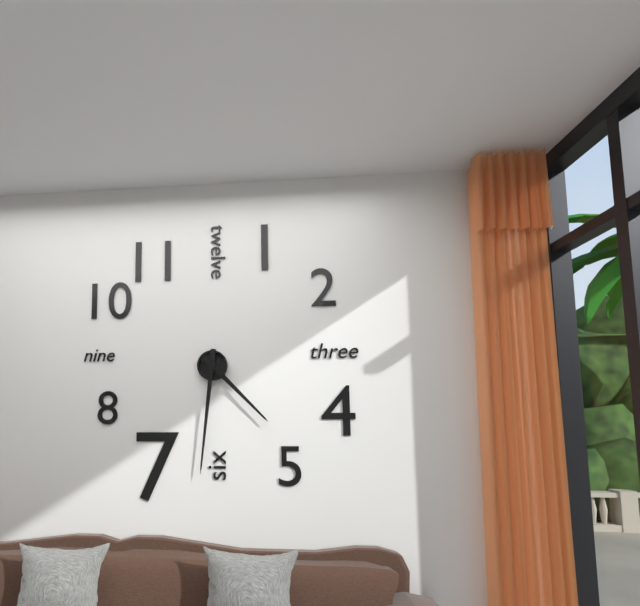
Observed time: 4h31
